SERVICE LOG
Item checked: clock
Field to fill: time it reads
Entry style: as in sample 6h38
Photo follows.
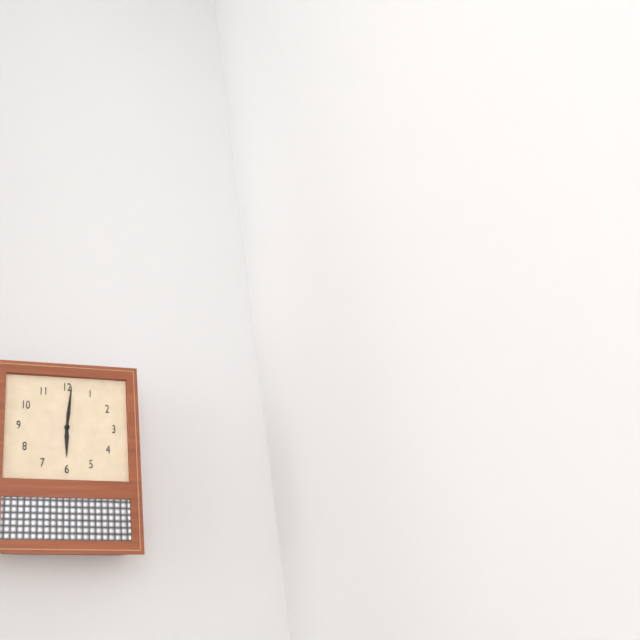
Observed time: 6h01
